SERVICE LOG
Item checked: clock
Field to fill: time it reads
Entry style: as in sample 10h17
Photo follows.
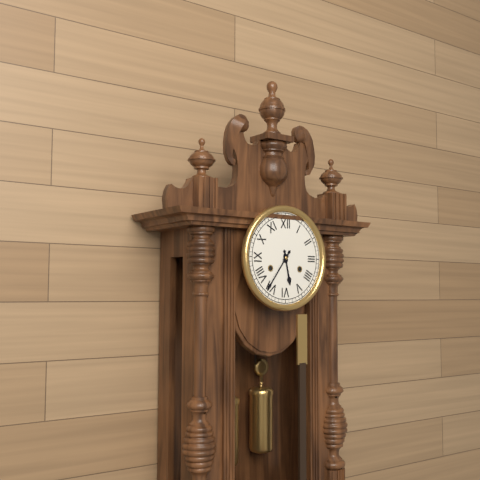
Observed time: 5h36
